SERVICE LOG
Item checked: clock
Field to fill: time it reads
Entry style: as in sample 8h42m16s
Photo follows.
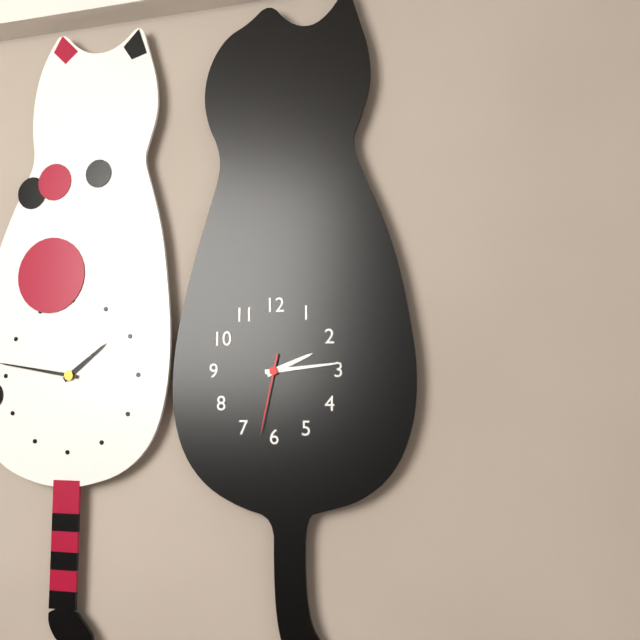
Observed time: 2h14m32s
